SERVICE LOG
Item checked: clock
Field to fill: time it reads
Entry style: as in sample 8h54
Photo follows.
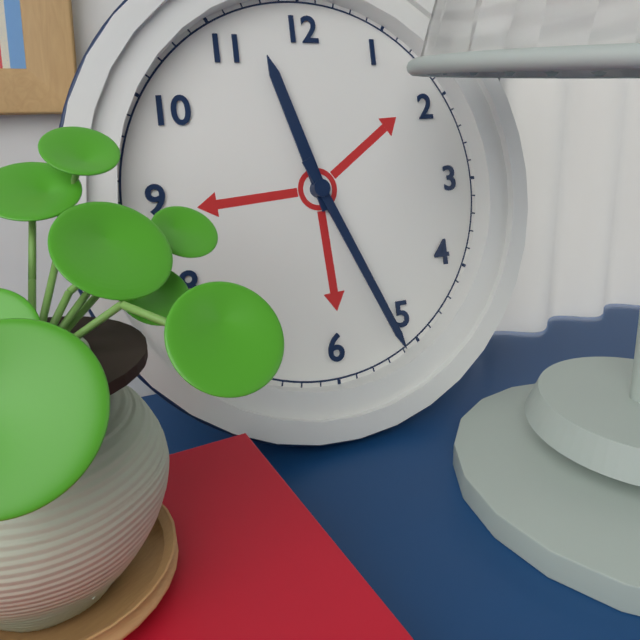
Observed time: 11h26
